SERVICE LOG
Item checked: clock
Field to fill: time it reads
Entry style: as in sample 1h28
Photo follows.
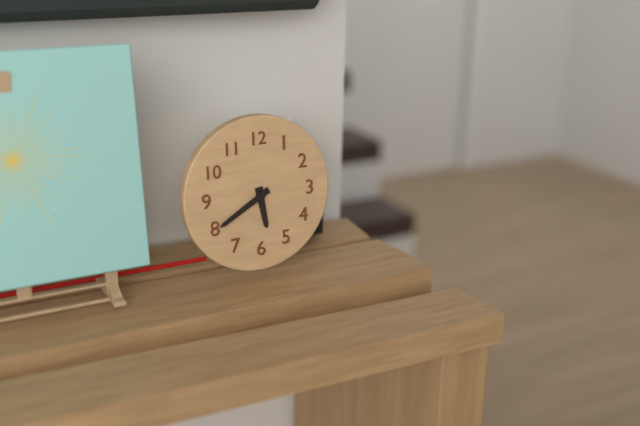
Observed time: 5h40
